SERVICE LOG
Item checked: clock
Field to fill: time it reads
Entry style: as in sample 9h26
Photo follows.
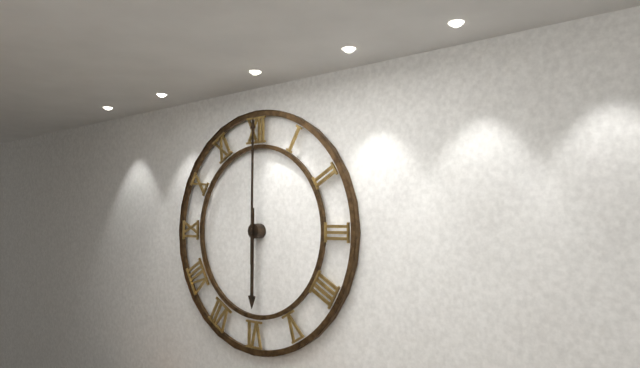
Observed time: 6h00
